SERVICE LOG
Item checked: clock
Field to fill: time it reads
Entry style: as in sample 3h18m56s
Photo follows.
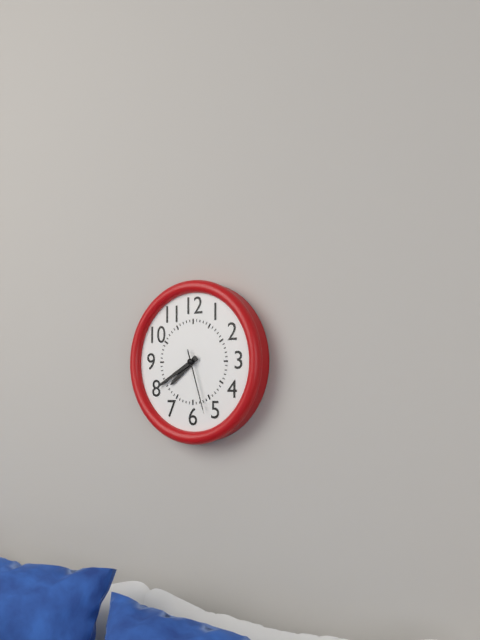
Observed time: 7h40m27s
